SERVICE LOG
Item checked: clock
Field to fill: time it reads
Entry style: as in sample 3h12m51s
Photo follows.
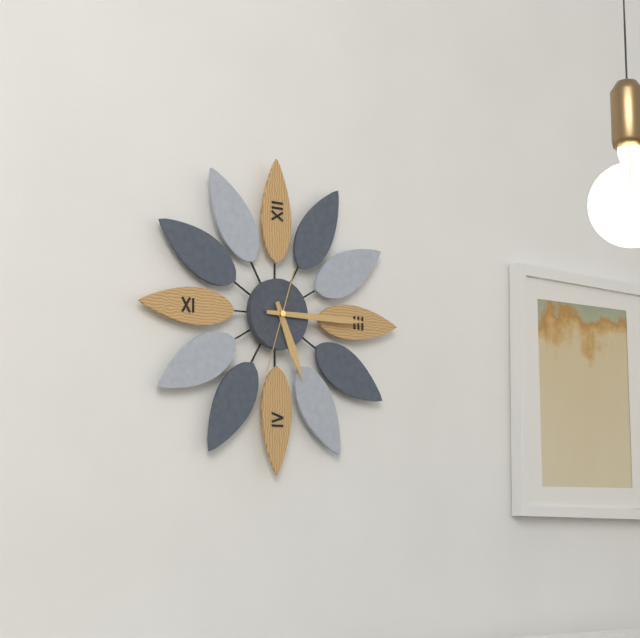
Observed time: 5h15m33s
